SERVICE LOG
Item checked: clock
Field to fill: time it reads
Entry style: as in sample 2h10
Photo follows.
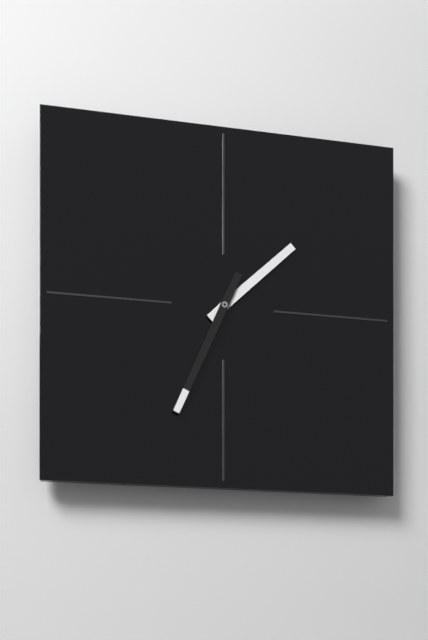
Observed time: 1h34
